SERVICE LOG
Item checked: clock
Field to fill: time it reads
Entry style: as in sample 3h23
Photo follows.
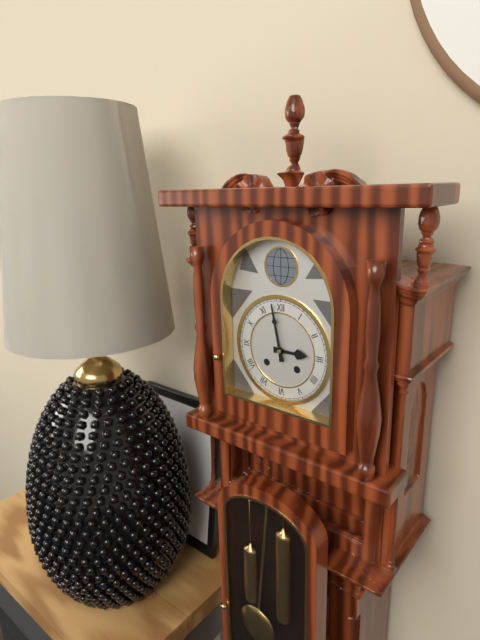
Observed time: 2h58
